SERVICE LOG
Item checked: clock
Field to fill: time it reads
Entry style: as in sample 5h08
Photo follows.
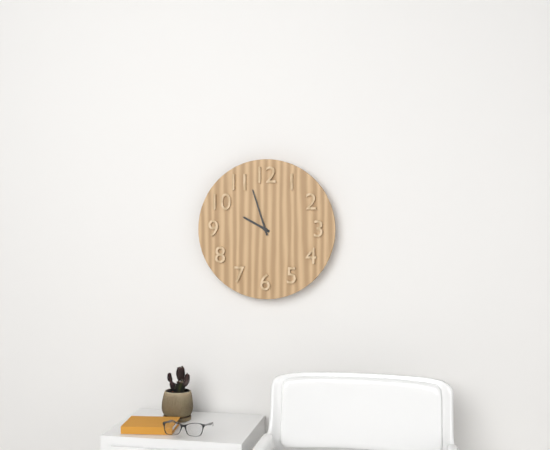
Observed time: 9h57
